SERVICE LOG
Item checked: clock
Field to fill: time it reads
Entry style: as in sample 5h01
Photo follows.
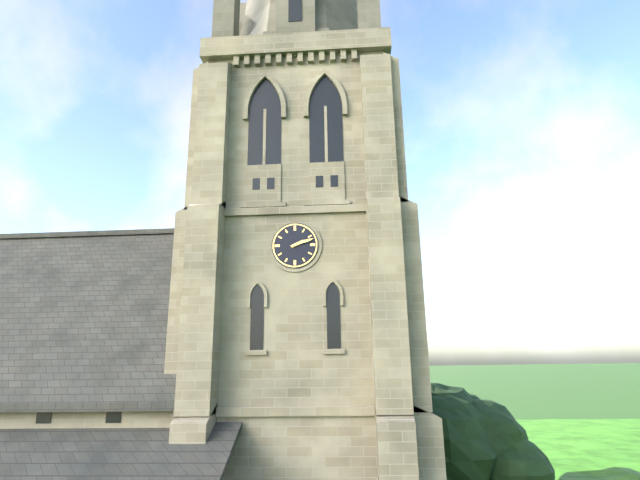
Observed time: 2h12
